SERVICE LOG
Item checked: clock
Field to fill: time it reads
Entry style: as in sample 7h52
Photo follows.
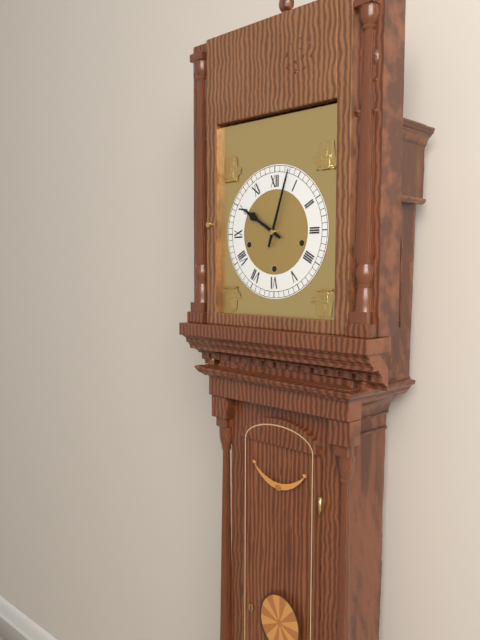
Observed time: 10h03
